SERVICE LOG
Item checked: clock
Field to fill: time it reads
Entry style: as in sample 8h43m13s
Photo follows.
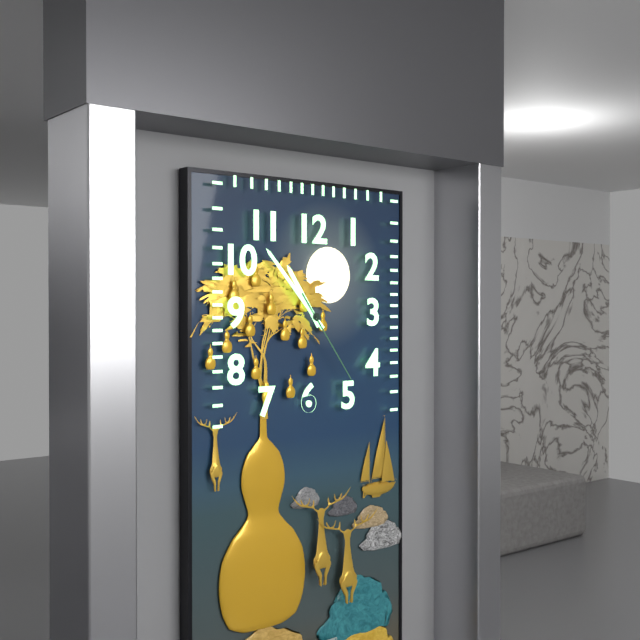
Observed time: 10h53m24s
